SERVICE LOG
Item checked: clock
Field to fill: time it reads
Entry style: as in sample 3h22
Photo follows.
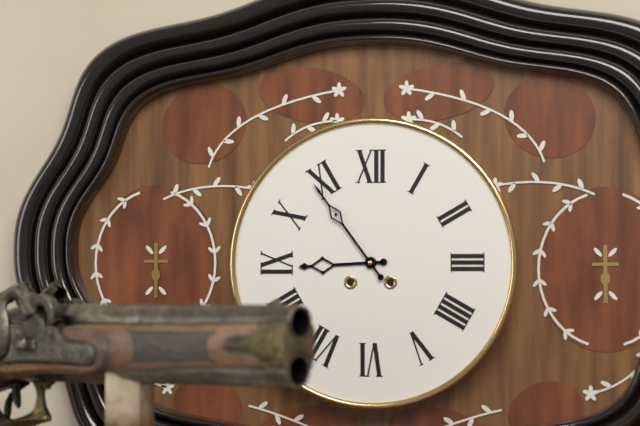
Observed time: 8h54
